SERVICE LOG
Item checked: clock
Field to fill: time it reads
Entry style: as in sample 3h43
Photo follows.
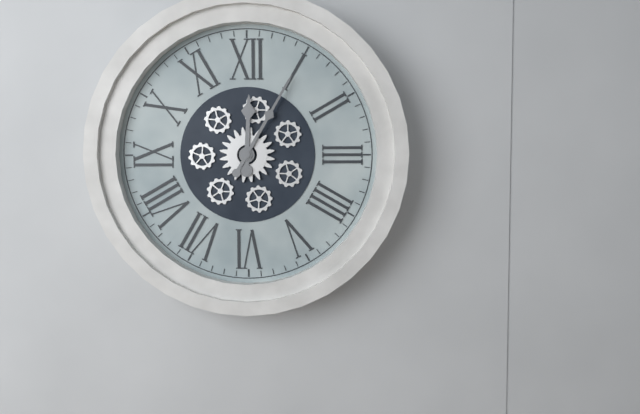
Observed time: 12h05
